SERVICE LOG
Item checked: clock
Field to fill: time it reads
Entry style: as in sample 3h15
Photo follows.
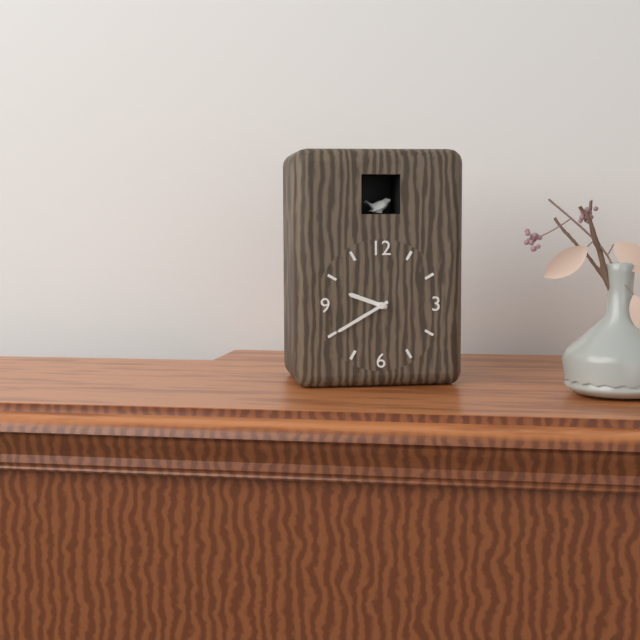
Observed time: 9h40
